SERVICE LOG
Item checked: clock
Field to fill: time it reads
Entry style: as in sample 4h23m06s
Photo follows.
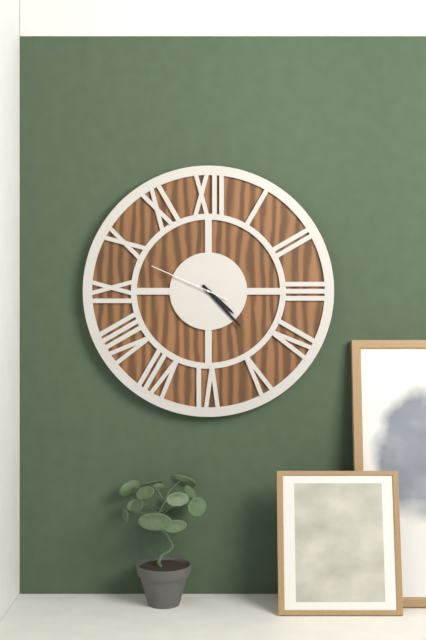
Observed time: 4h23m49s
